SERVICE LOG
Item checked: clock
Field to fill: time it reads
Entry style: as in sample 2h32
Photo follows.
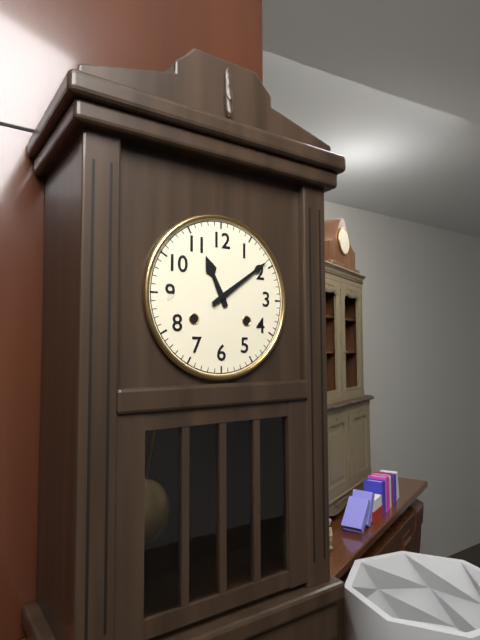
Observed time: 11h09
